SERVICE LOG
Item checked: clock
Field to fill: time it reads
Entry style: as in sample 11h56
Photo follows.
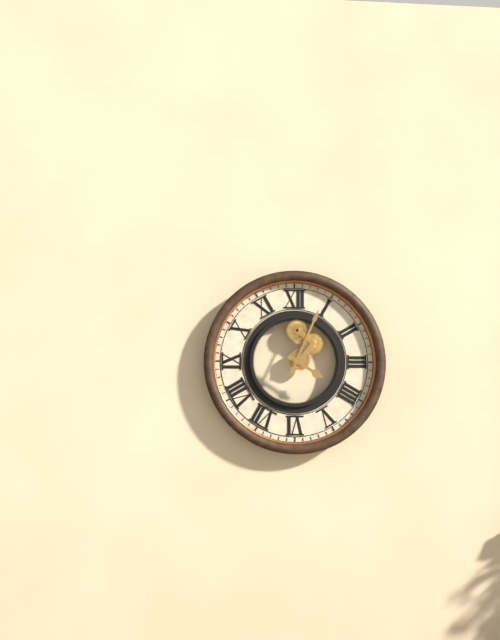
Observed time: 4h04
